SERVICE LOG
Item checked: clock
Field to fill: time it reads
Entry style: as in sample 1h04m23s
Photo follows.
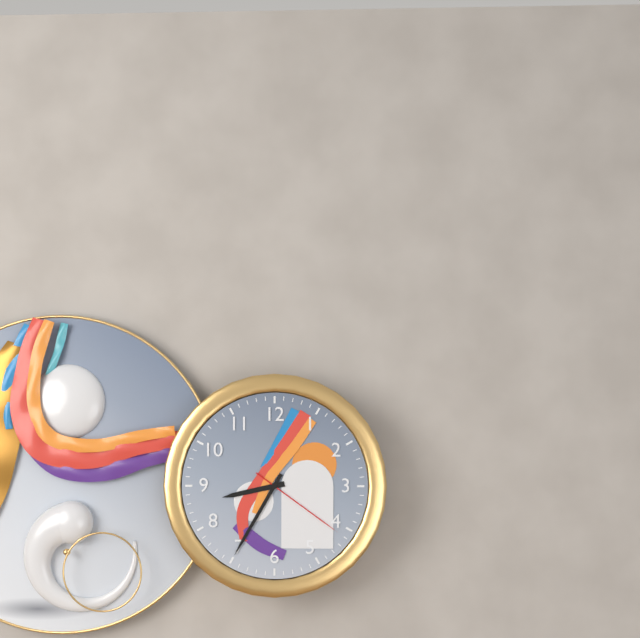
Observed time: 8h35m21s
